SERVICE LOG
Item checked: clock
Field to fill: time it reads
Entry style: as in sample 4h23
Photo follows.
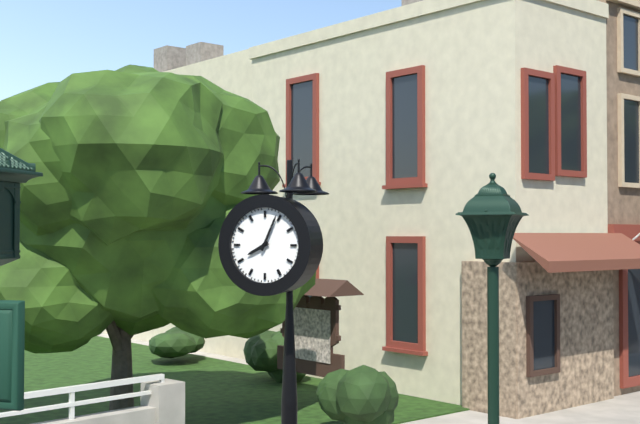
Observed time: 8h04
